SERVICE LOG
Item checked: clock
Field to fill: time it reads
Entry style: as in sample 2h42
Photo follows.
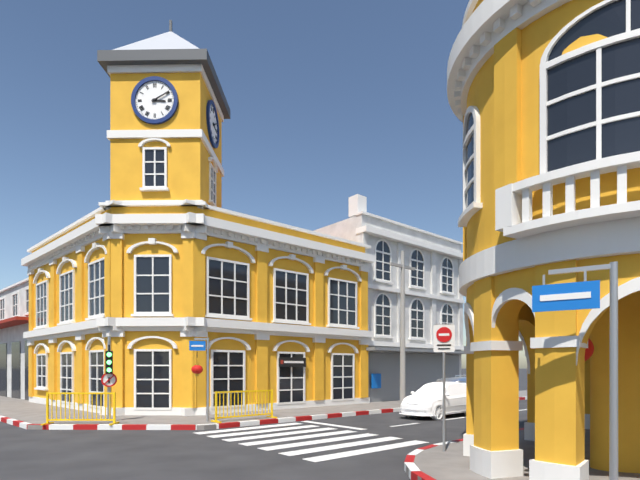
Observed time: 3h10
